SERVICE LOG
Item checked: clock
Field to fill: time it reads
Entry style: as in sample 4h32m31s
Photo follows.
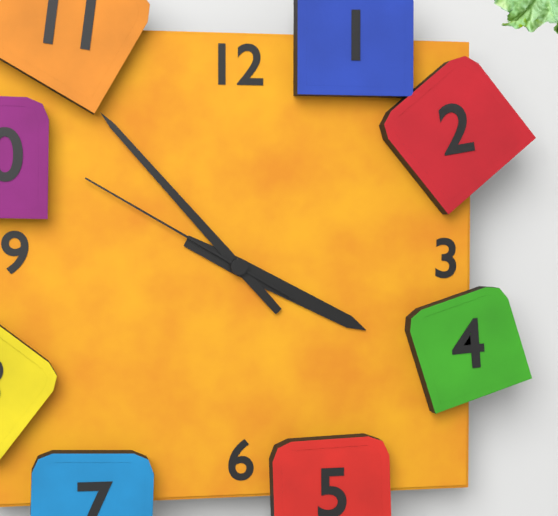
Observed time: 3h53m50s
